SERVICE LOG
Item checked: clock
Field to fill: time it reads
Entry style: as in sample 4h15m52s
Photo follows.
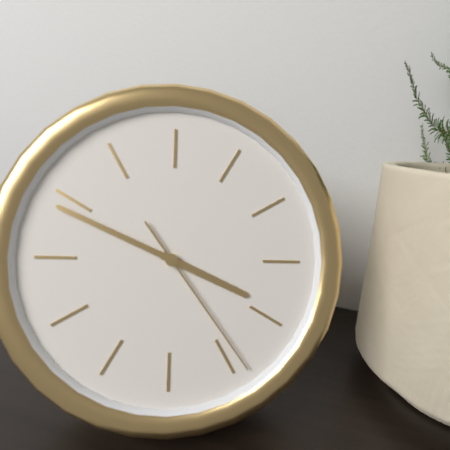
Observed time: 3h49m24s
